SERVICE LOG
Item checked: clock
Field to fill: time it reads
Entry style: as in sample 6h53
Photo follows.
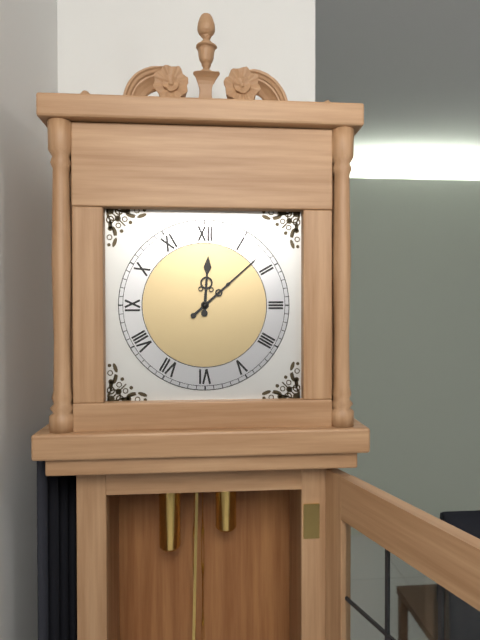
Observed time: 12h08
